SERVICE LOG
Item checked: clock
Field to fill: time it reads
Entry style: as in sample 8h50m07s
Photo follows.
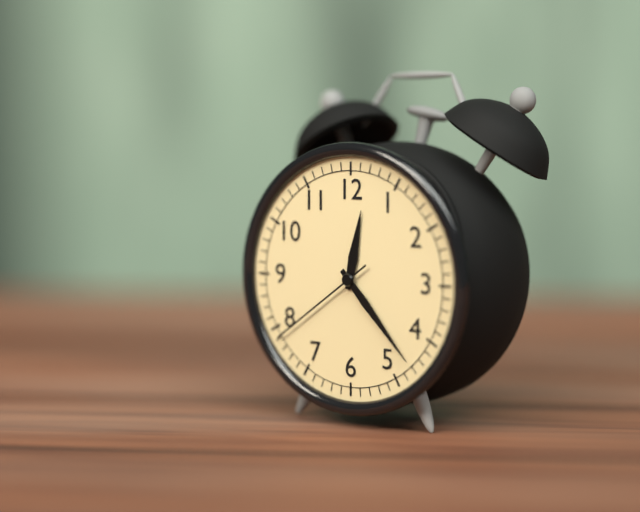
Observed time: 12h23m39s
